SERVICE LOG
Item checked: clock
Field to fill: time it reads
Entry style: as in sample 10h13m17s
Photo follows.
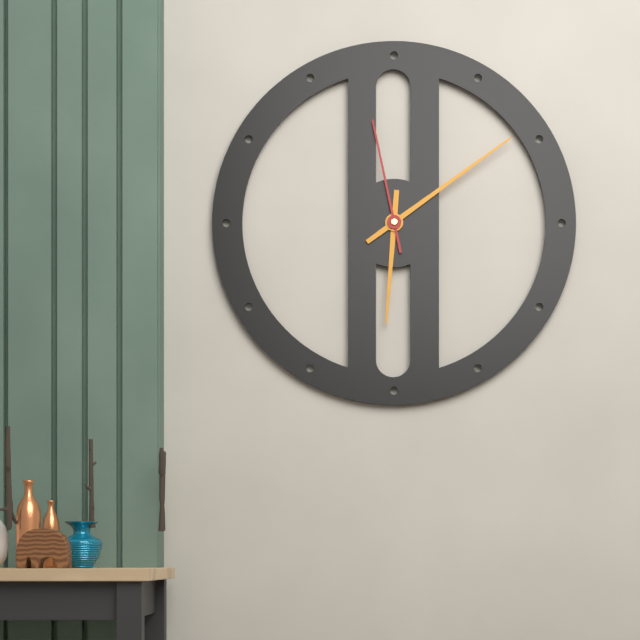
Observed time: 6h09m58s
